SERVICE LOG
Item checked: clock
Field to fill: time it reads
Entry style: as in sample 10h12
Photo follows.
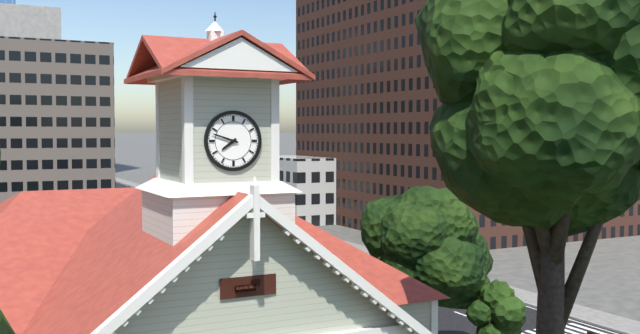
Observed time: 7h48
